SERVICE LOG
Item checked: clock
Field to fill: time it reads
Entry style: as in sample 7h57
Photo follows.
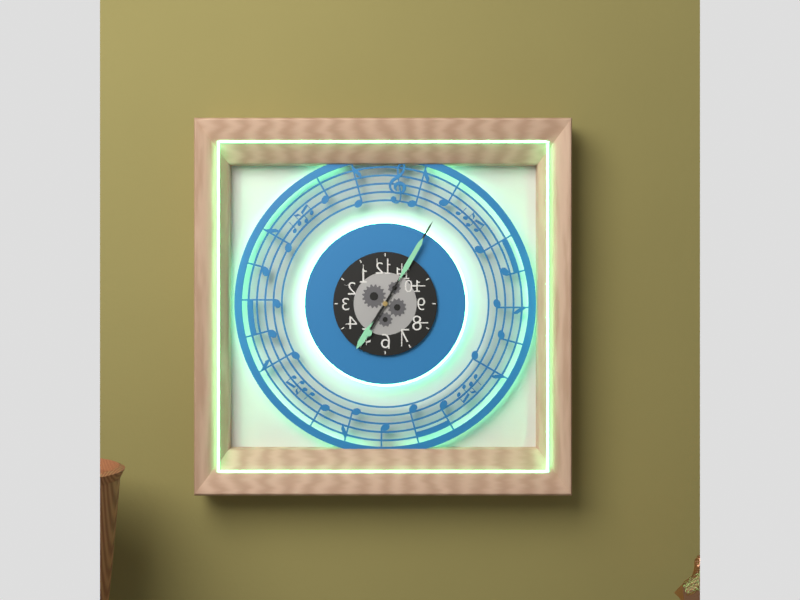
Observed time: 7h05
